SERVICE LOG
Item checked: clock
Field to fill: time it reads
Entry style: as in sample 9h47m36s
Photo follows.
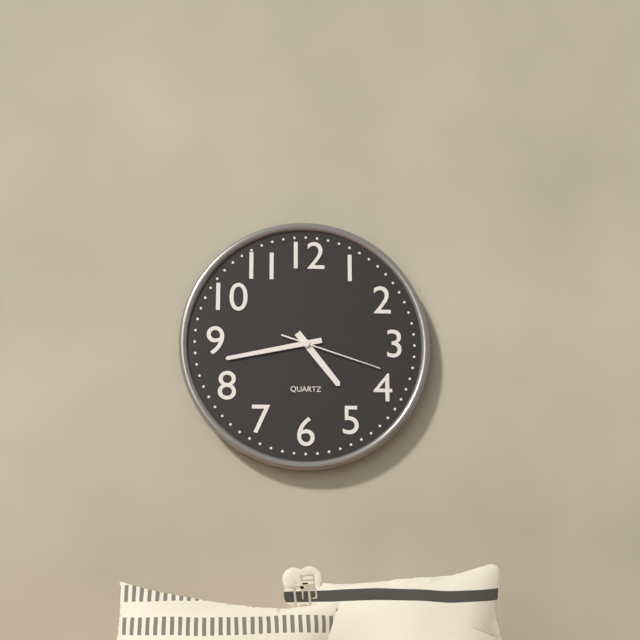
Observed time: 4h43m18s
